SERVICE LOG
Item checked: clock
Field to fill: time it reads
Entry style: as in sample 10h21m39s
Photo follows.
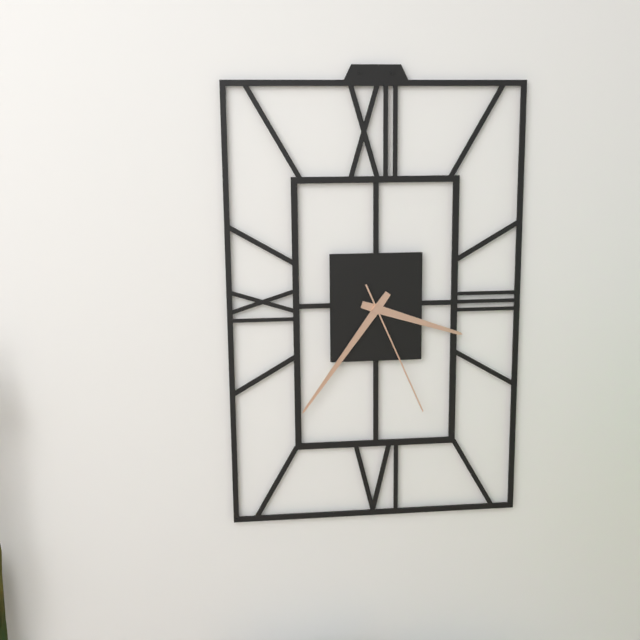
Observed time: 3h36m26s
